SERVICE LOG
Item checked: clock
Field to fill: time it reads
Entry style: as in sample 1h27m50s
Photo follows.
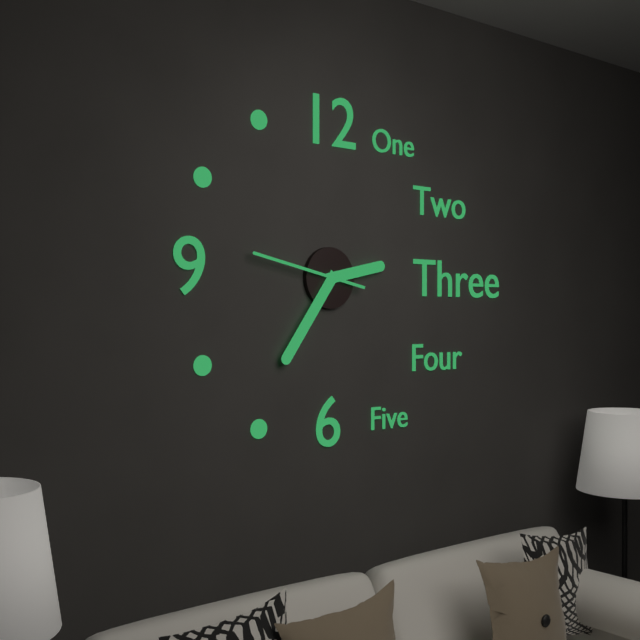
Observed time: 2h36m47s
